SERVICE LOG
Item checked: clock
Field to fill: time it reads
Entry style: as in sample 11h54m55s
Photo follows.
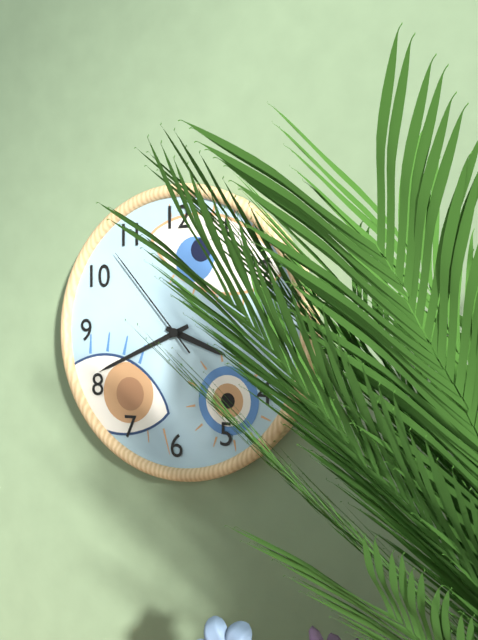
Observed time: 3h41m53s
